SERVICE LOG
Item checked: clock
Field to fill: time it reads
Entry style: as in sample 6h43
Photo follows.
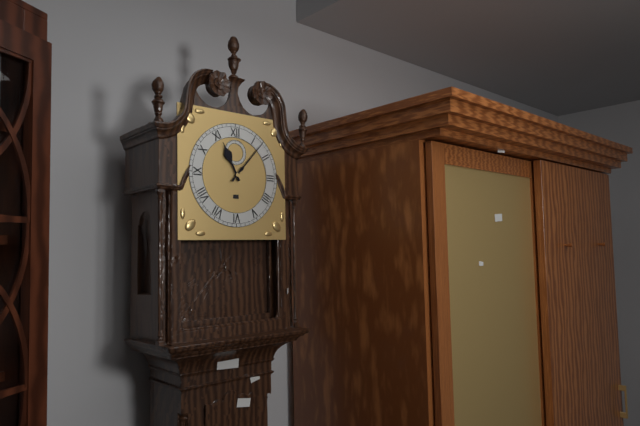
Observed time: 11h07
